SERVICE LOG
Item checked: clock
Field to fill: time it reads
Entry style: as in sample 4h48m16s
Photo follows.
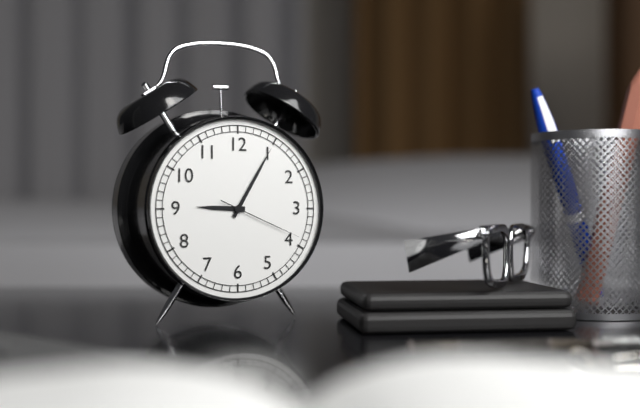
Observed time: 9h05m19s
